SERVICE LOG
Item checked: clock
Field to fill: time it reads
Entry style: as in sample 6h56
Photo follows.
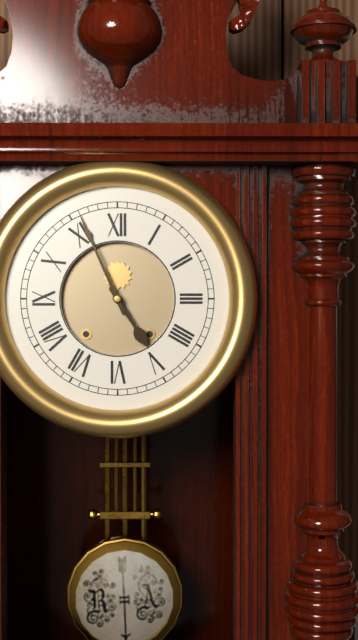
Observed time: 4h56
